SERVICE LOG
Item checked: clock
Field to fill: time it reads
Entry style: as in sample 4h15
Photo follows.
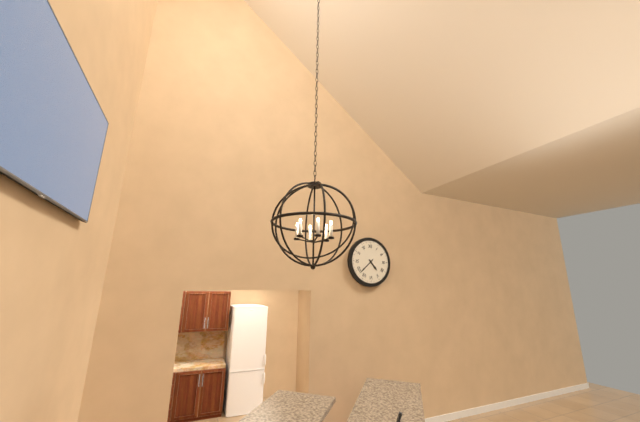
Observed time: 4h38
